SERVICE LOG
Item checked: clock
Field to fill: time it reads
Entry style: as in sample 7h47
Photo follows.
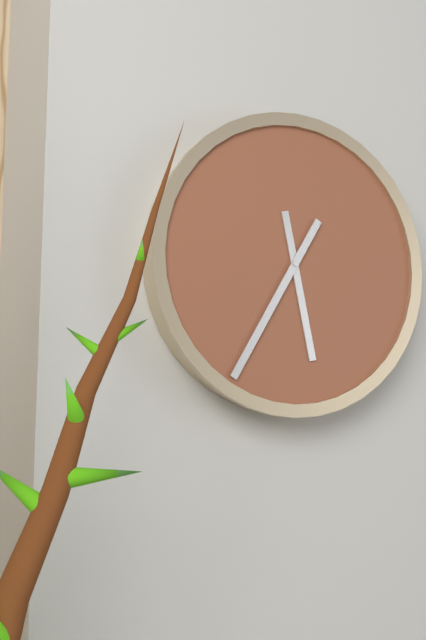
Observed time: 5h35
